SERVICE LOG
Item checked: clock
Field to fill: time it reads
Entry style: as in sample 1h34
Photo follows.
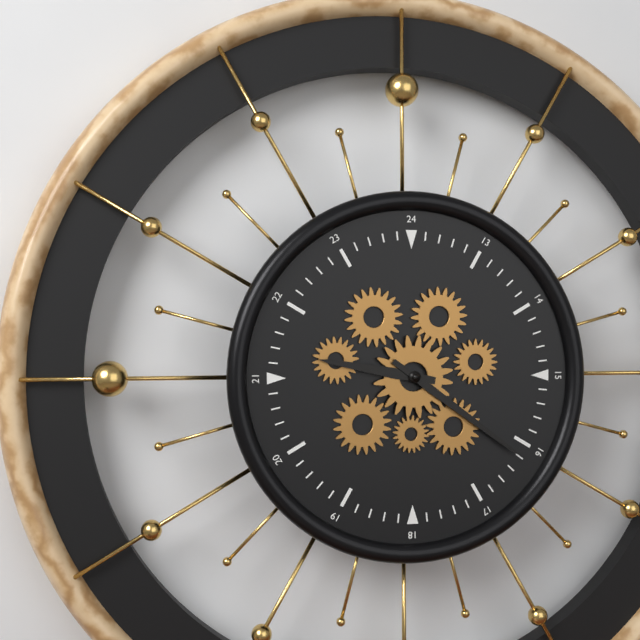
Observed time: 9h21
